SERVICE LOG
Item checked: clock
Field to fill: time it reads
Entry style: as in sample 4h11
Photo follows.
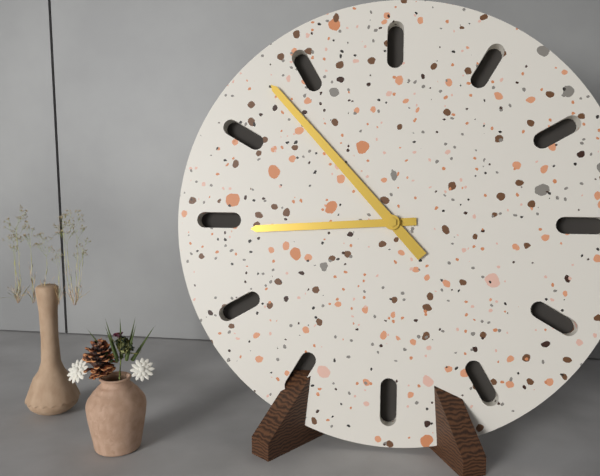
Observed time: 8h53
